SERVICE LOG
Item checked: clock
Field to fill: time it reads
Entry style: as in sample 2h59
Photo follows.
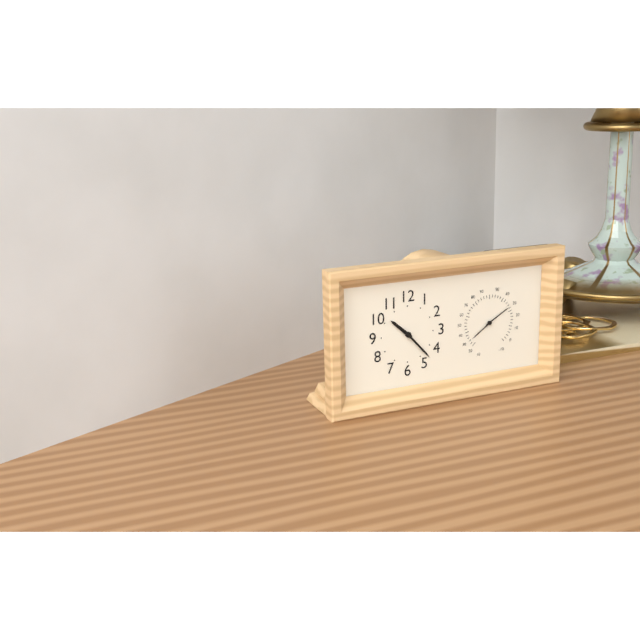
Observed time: 10h23
